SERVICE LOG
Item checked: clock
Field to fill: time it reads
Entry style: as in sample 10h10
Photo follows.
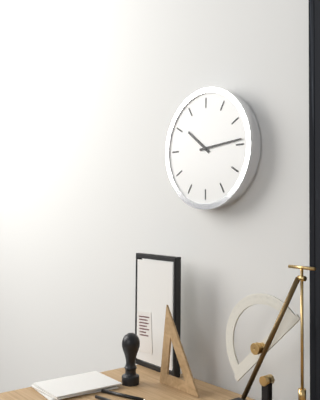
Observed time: 10h14
